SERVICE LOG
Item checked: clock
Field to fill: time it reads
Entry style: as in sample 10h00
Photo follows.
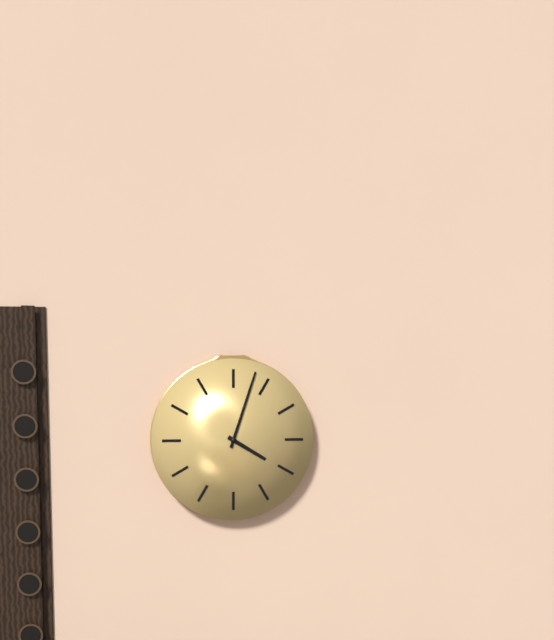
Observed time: 4h03
